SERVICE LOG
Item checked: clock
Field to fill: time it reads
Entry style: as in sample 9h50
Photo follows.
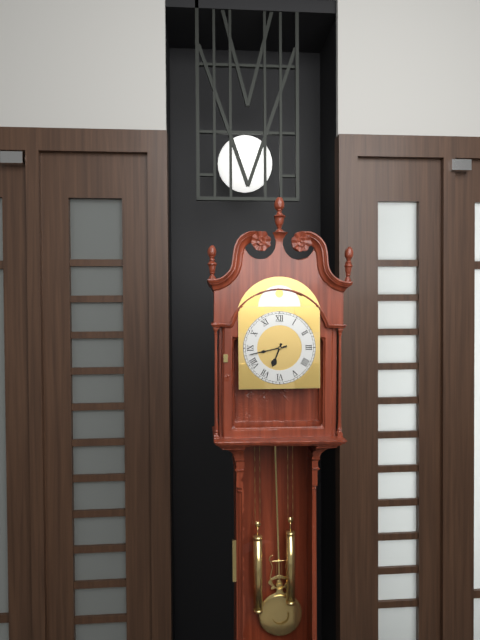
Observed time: 6h43
